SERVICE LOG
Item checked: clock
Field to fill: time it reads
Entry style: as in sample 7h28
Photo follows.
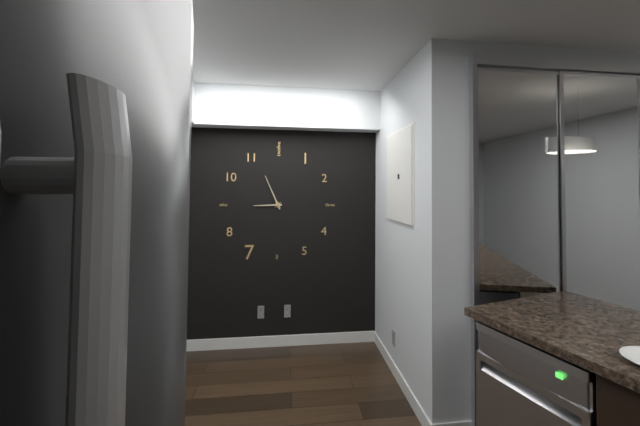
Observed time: 8h56
